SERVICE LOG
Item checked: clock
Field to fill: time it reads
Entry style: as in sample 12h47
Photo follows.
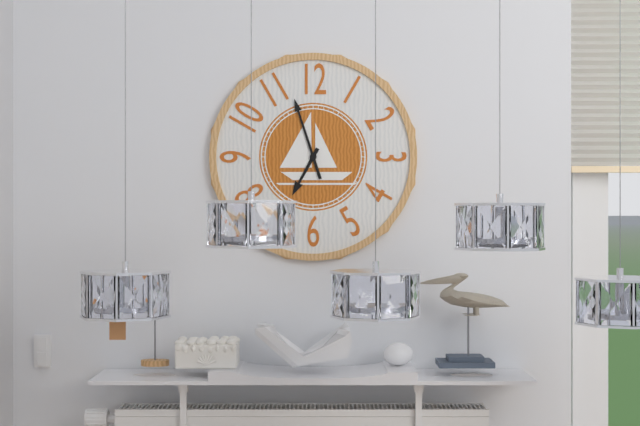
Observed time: 6h57
